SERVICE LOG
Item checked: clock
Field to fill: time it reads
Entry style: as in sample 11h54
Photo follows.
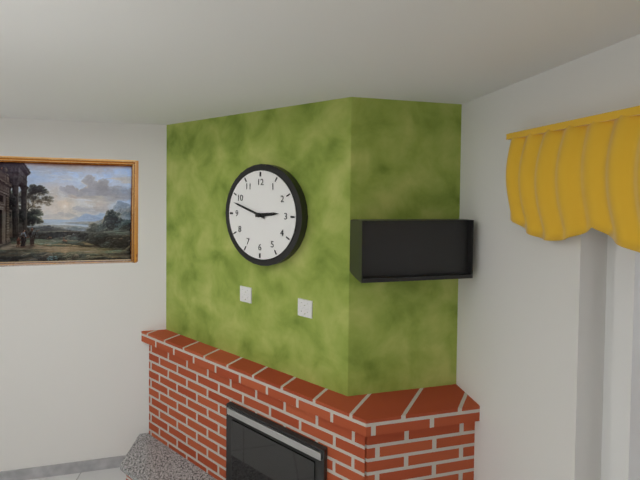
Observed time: 2h48
